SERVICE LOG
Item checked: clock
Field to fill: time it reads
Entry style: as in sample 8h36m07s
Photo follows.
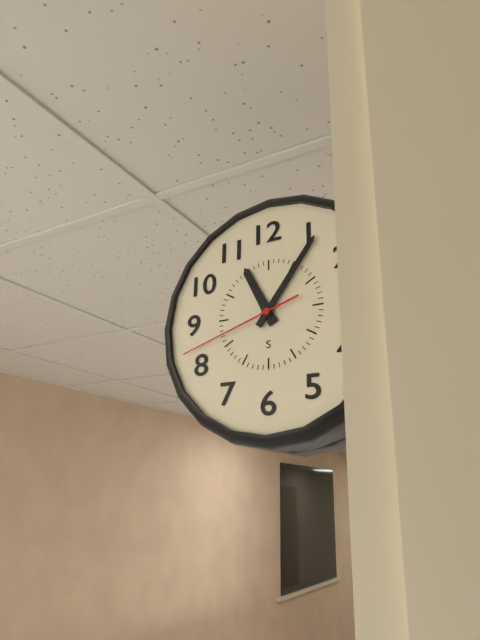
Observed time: 11h06m42s
